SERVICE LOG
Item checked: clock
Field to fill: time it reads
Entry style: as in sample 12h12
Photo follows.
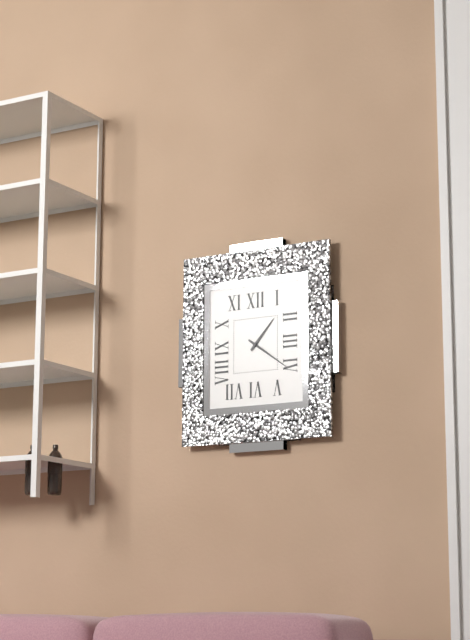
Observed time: 1h21
